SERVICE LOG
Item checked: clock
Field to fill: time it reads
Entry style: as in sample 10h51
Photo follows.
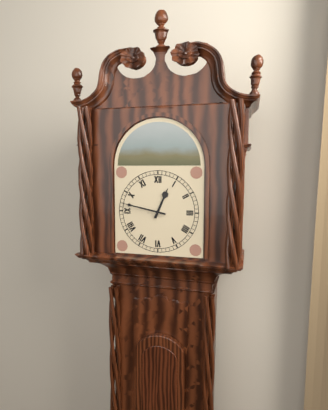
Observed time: 12h47
